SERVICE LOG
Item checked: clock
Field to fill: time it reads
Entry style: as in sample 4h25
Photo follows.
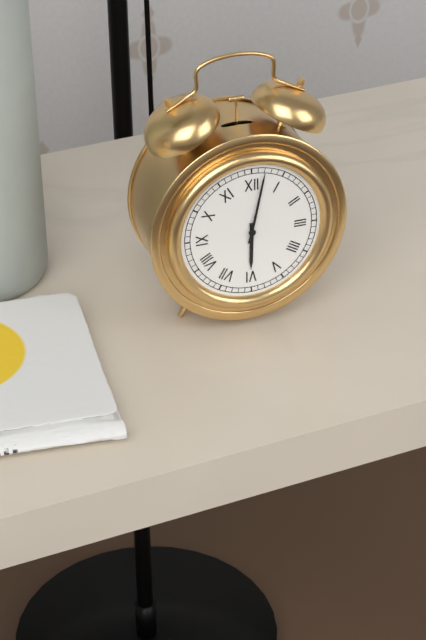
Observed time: 6h02
